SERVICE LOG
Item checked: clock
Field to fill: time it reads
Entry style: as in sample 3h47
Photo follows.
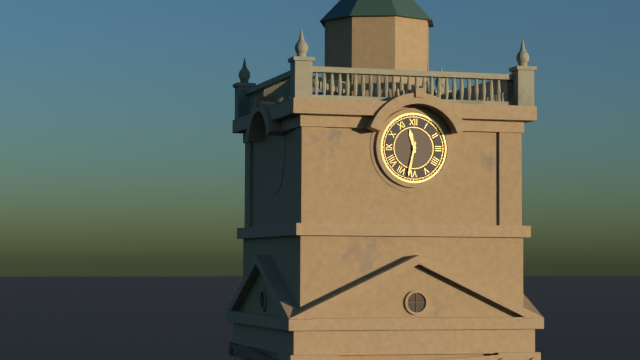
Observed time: 11h32
